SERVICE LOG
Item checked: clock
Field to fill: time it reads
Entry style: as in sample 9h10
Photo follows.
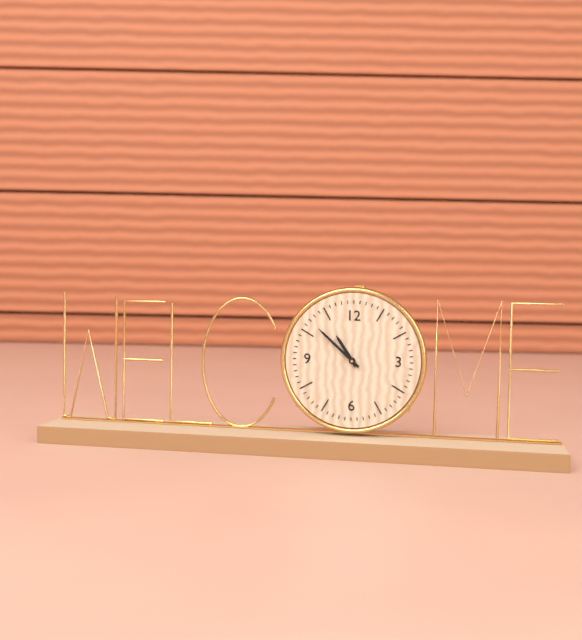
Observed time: 10h52
